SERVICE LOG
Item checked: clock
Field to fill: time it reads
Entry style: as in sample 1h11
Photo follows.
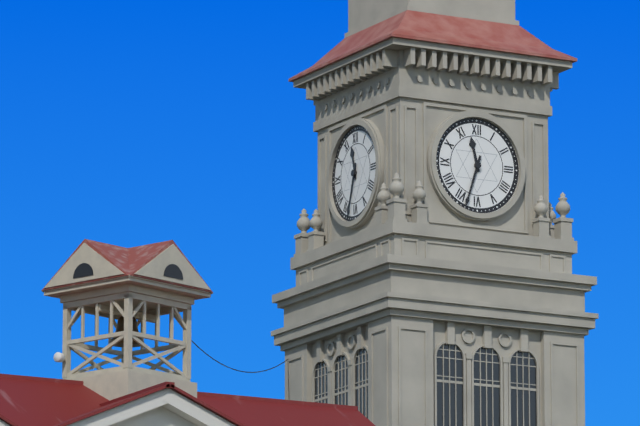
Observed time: 11h33
